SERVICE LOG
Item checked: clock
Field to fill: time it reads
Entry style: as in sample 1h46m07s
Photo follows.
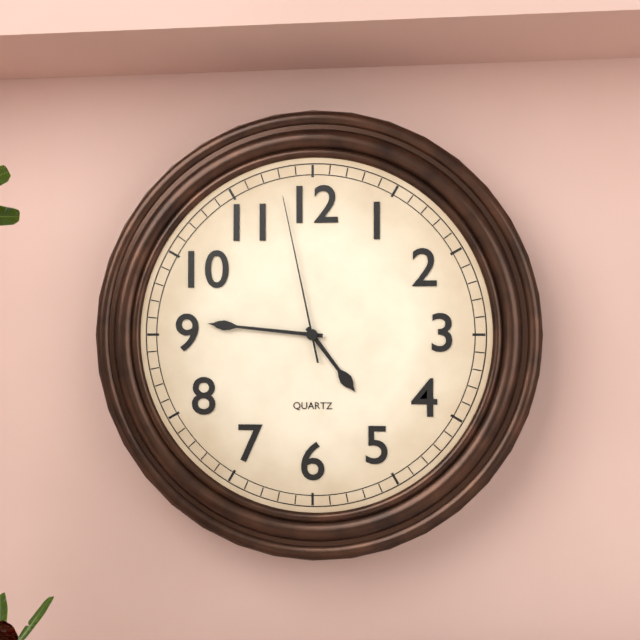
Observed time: 4h46m58s
